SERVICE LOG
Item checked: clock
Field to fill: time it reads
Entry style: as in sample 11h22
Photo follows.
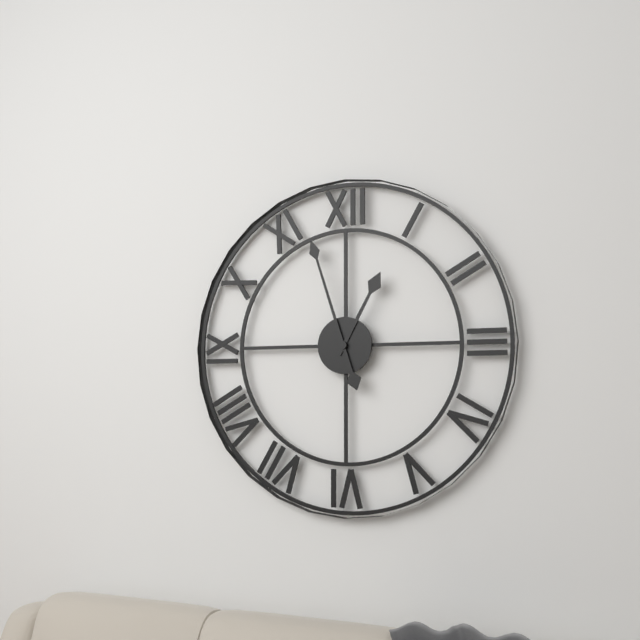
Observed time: 12h57
